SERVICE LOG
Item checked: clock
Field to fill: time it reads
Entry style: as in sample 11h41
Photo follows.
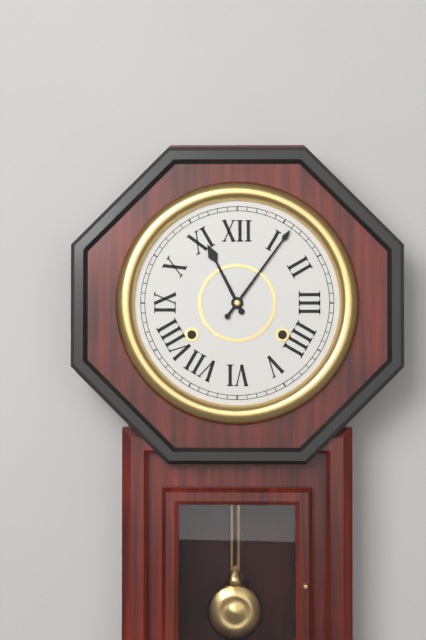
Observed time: 11h06
